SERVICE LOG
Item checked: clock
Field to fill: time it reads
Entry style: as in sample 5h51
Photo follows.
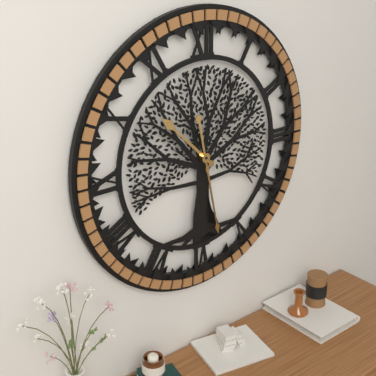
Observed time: 10h28
